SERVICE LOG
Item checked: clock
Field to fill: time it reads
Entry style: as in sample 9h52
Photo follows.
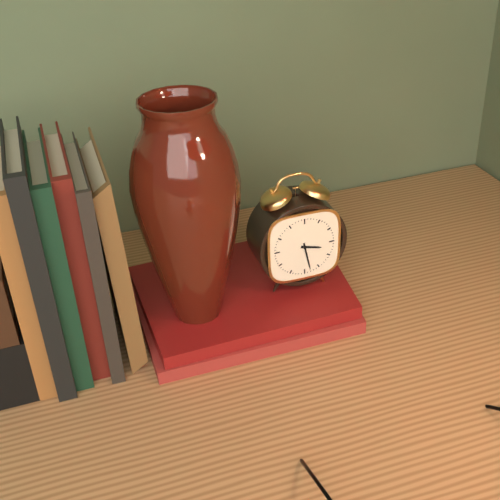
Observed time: 3h28
